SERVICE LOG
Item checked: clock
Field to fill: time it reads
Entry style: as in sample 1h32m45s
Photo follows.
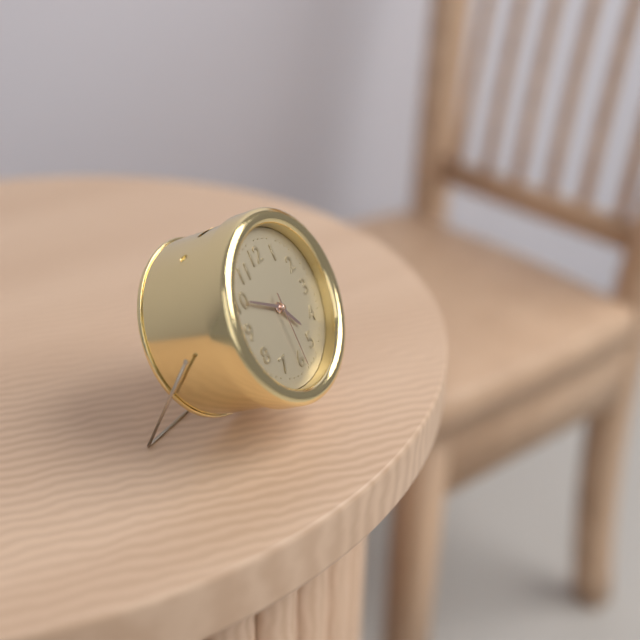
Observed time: 4h50m30s
